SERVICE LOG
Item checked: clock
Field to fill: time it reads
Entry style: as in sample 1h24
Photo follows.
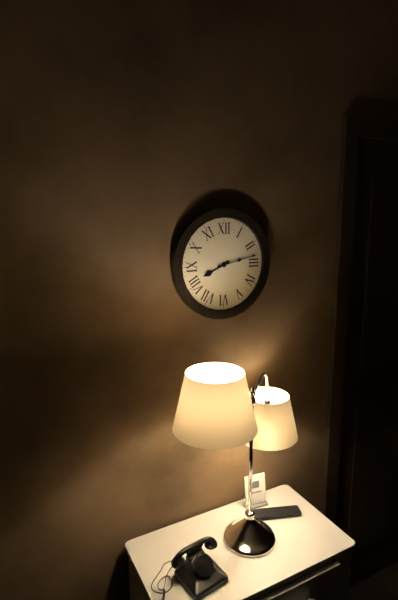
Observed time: 8h13
